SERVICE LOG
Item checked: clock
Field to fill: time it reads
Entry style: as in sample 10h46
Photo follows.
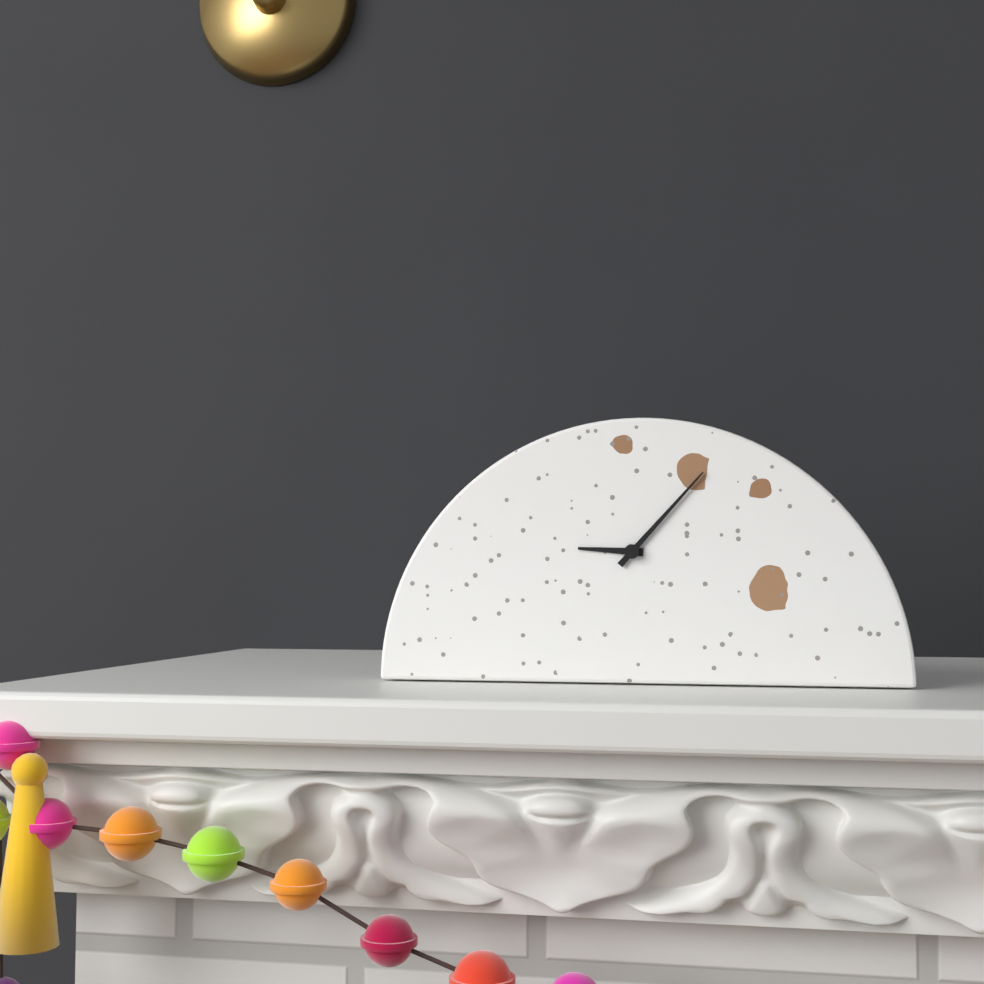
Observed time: 9h07
